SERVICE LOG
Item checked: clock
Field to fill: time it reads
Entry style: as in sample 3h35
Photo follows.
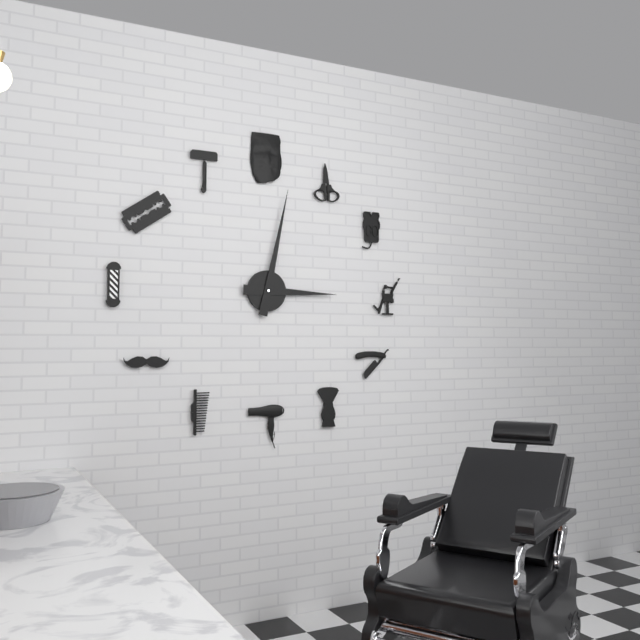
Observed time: 3h02
